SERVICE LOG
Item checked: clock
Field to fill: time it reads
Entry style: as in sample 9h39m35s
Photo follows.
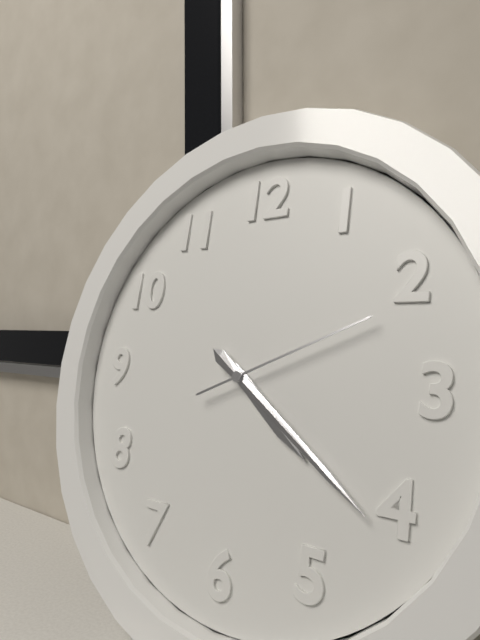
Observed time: 4h21m11s
